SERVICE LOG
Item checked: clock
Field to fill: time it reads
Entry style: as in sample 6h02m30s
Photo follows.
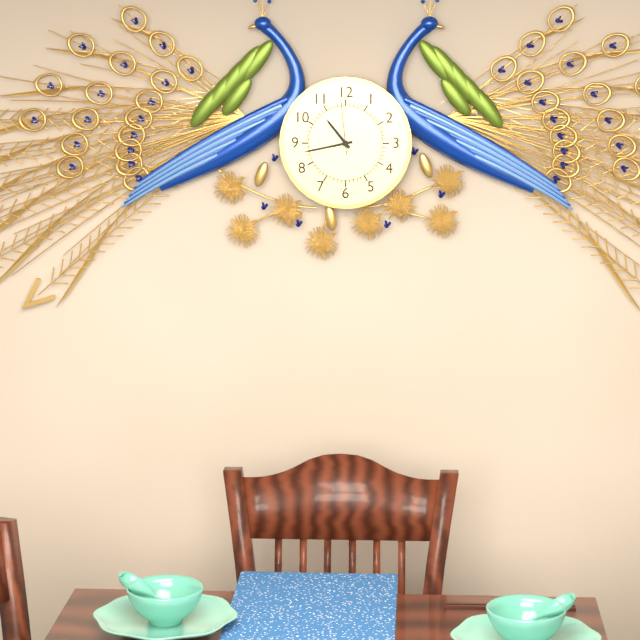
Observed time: 10h43m59s
